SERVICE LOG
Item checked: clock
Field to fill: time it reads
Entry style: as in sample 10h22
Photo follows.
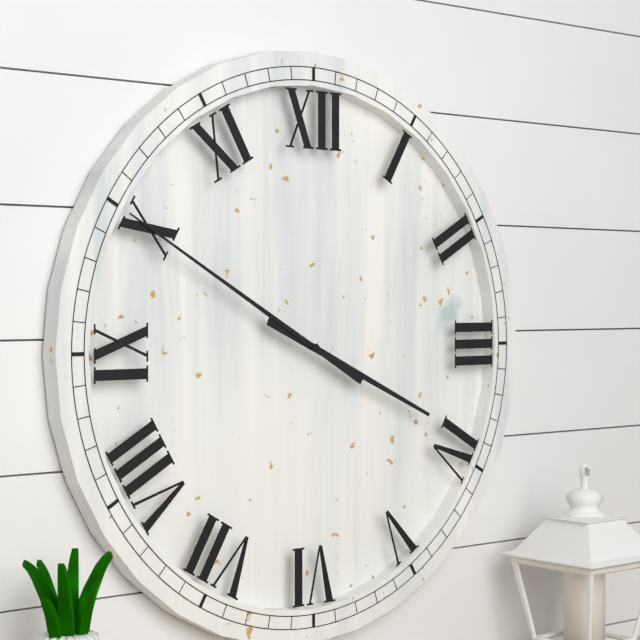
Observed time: 3h50
